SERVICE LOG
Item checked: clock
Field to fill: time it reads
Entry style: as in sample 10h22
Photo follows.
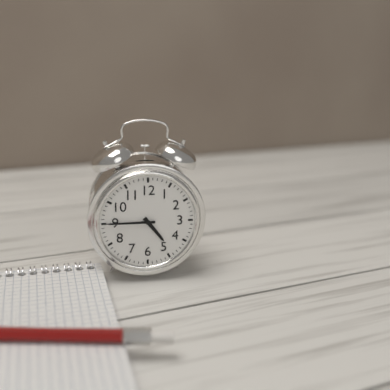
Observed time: 4h45
